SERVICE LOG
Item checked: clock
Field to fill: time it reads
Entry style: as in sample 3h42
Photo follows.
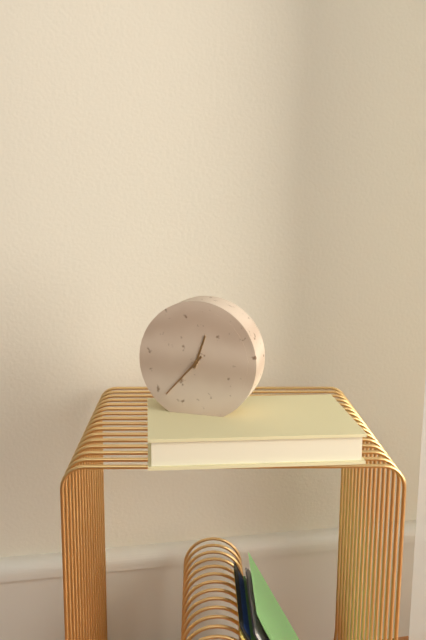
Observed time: 12h37
